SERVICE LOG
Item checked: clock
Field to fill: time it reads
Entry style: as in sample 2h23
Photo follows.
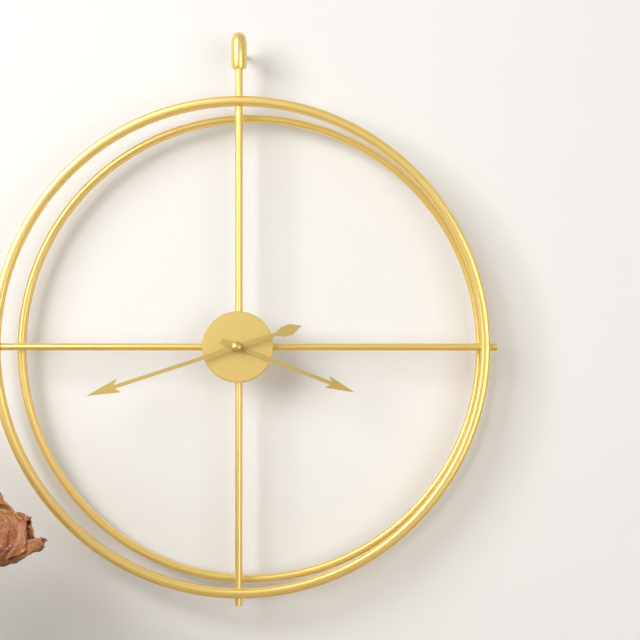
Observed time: 3h42
